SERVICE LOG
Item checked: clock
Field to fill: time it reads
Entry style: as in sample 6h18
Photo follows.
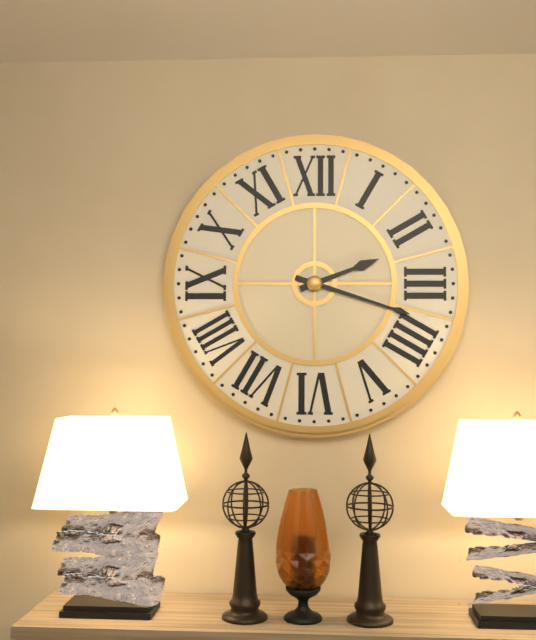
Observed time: 2h18
